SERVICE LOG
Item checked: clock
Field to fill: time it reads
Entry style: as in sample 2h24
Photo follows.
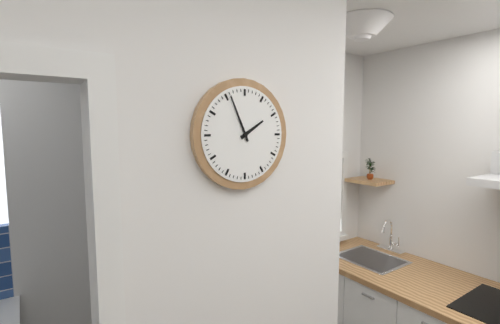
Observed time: 1h56
